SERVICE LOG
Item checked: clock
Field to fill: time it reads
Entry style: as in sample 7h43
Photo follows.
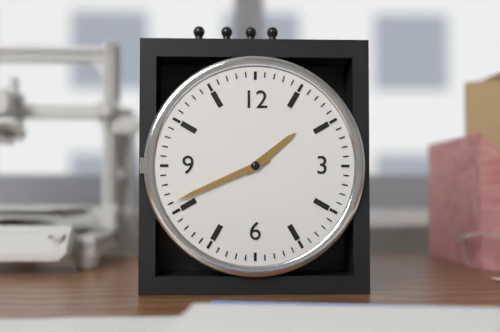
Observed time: 1h41
